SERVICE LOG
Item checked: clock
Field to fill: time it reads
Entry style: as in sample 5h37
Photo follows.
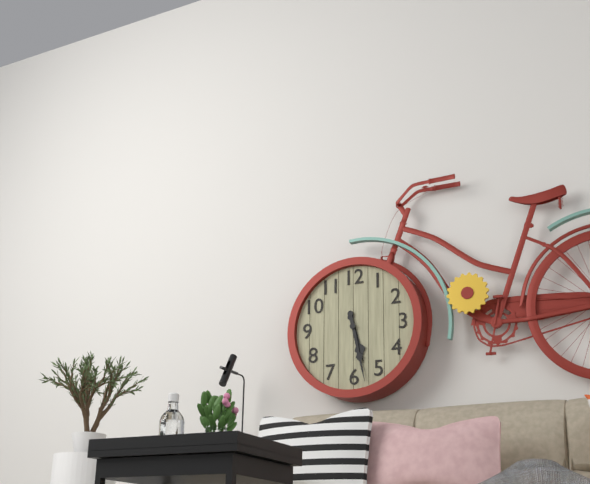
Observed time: 5h28
